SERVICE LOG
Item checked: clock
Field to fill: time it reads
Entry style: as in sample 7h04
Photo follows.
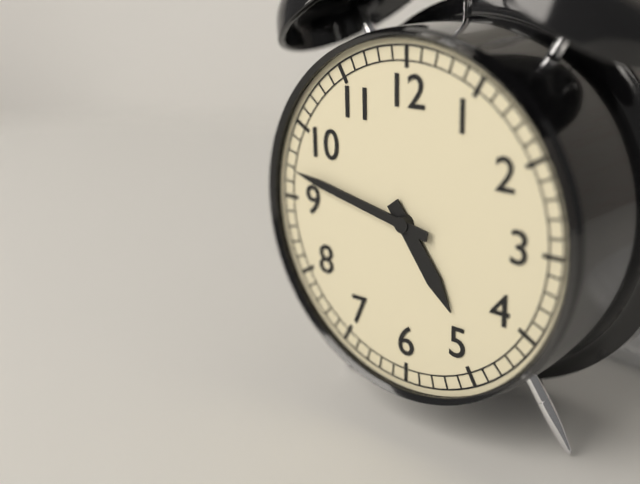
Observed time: 4h47
